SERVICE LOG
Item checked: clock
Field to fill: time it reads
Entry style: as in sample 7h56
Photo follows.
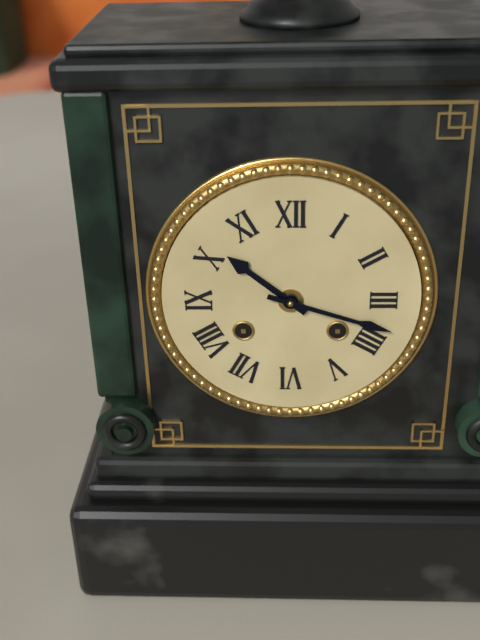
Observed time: 10h18
